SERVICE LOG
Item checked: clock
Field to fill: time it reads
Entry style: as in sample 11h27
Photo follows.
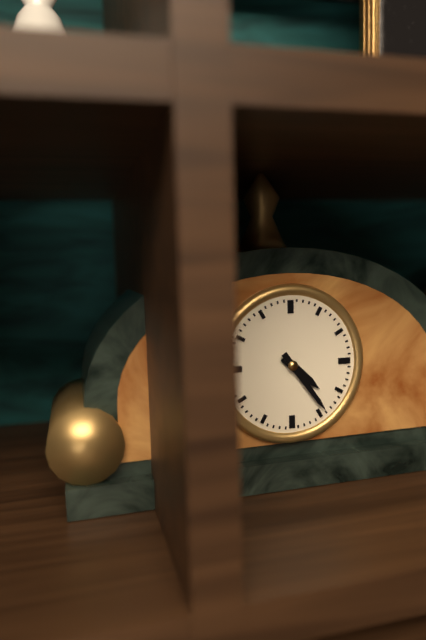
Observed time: 4h24
